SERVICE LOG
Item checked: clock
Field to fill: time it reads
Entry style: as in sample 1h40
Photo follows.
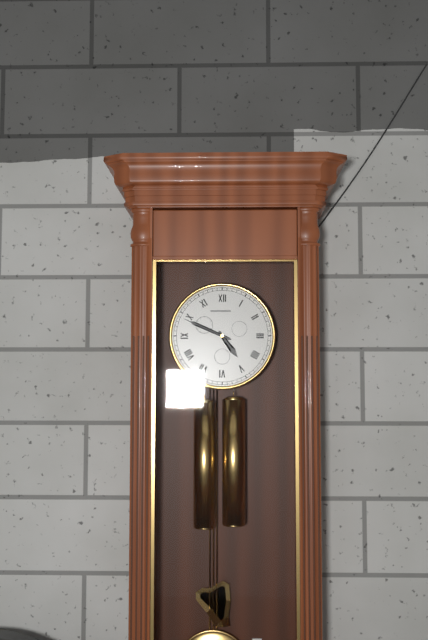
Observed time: 4h49
